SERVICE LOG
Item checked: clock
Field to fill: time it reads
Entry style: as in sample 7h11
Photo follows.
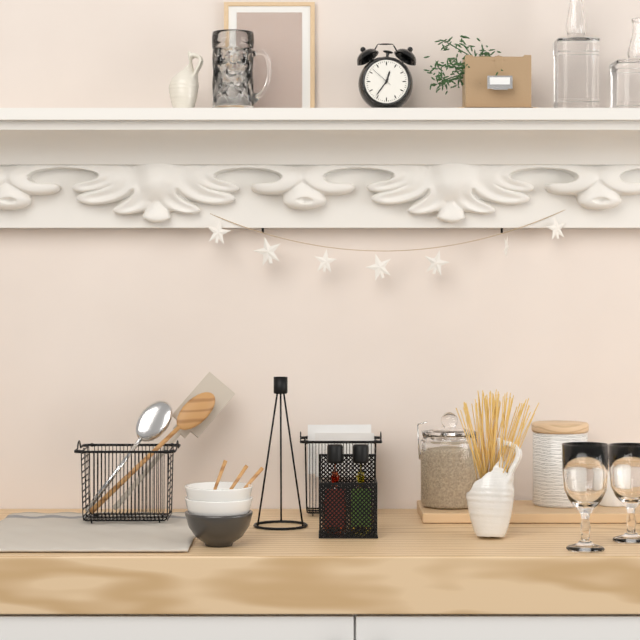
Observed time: 12h36
